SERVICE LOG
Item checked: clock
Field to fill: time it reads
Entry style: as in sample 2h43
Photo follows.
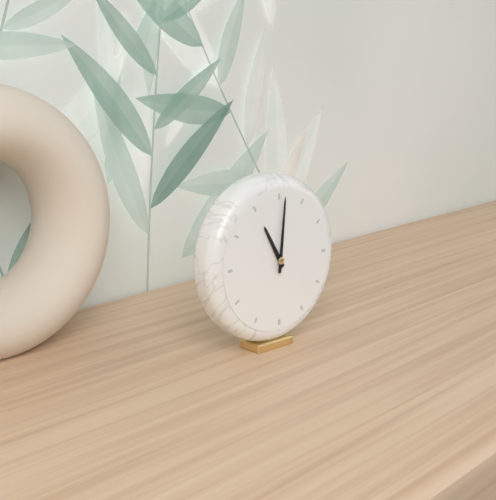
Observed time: 11h01
